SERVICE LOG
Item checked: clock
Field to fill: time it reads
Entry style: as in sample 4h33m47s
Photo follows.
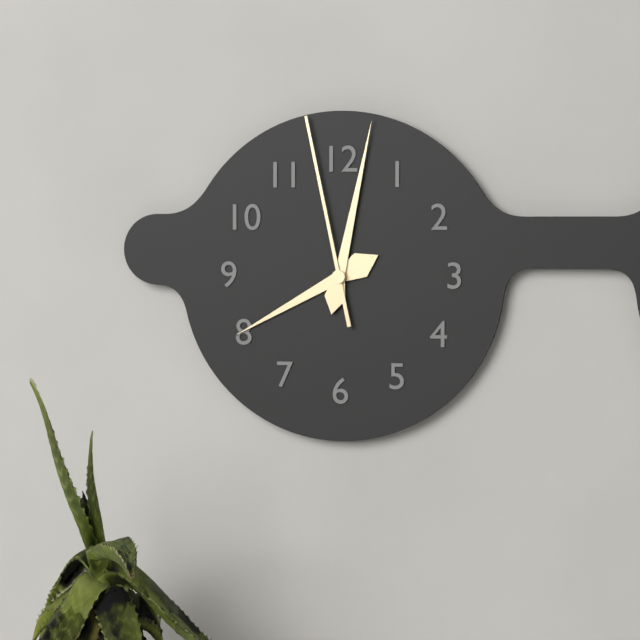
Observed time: 8h02m58s
